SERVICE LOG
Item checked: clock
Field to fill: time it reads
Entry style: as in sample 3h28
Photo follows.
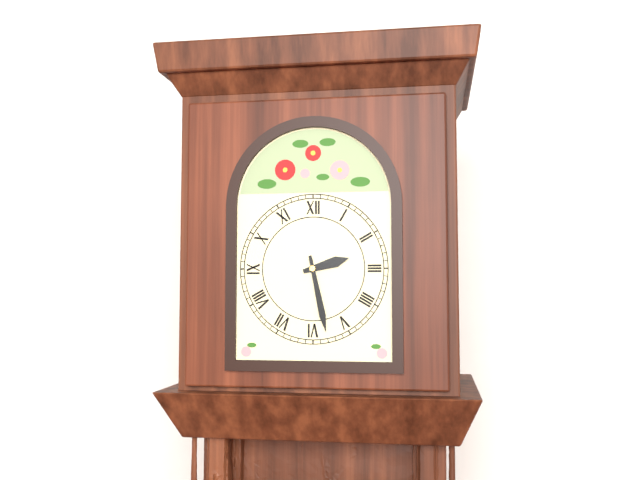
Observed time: 2h28
